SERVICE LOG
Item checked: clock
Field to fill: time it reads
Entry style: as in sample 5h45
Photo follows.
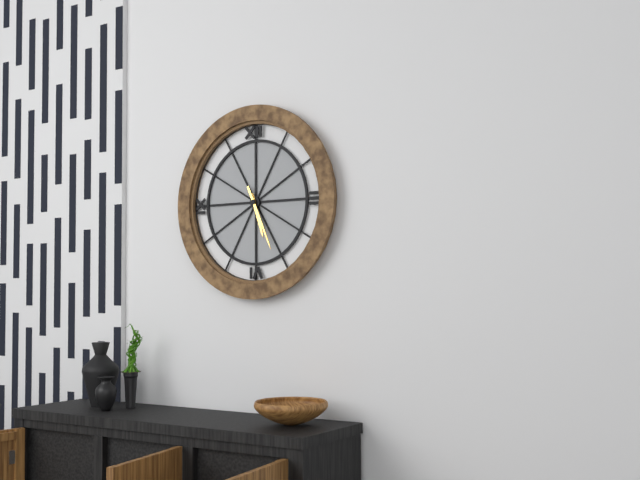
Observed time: 5h26
